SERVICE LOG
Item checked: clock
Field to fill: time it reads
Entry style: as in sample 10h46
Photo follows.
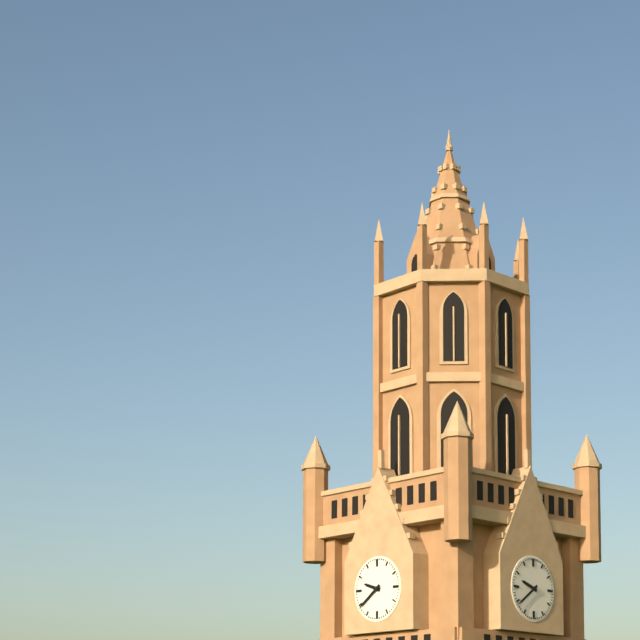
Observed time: 9h39
